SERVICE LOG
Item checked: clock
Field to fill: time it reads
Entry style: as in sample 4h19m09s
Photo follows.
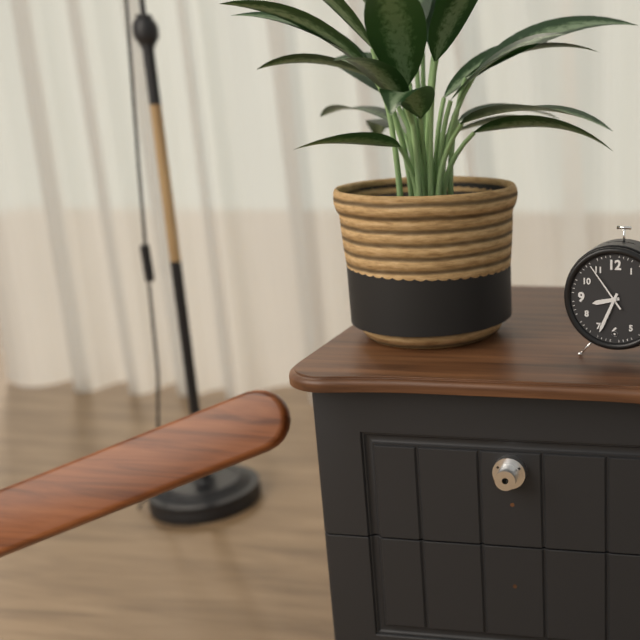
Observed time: 8h34m54s
